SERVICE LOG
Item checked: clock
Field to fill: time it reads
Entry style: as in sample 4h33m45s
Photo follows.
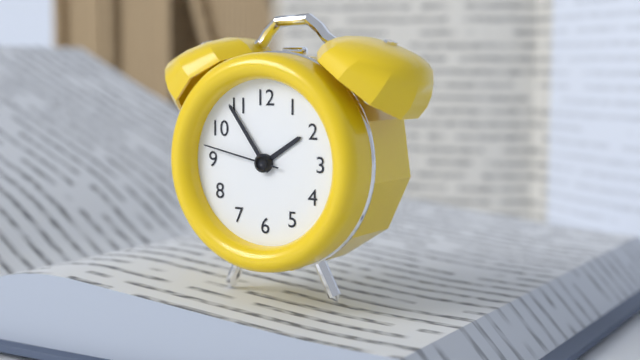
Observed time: 1h54m47s
